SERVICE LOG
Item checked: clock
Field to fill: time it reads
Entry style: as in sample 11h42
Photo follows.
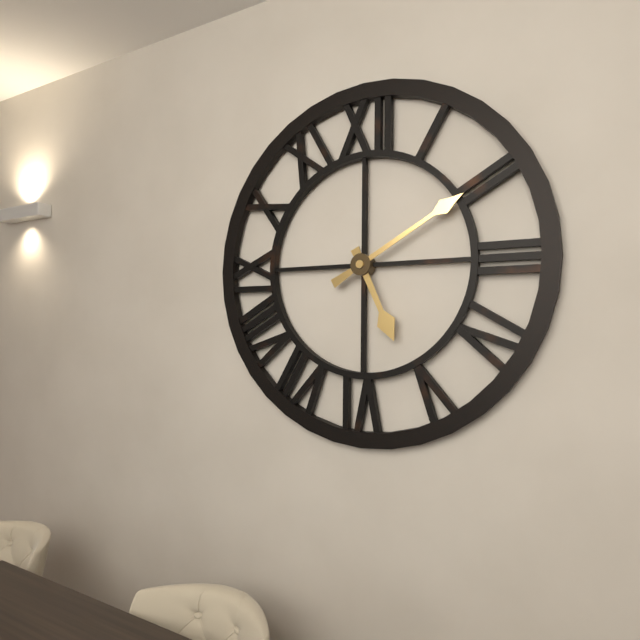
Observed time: 5h10
